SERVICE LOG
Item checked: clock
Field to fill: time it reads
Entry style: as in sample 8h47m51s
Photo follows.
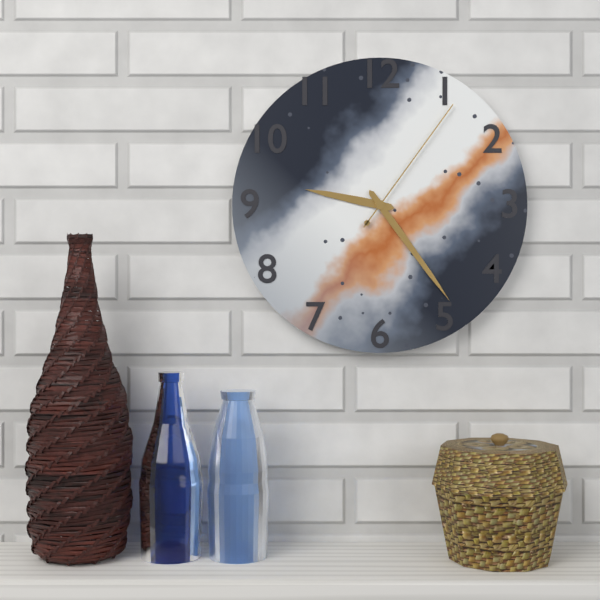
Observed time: 9h24m06s
